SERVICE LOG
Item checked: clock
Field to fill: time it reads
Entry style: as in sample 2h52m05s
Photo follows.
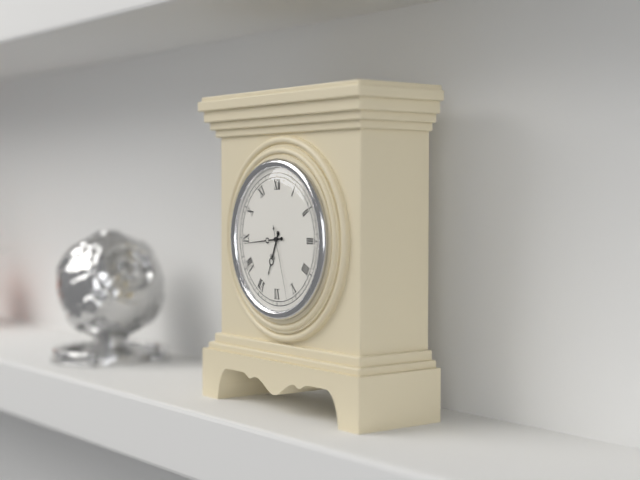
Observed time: 6h44m27s
